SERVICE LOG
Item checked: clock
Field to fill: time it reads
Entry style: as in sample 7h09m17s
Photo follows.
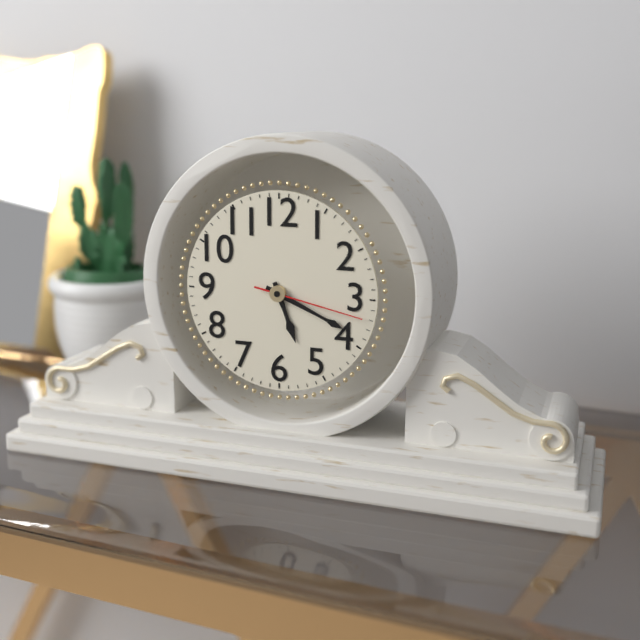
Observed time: 5h19m17s
